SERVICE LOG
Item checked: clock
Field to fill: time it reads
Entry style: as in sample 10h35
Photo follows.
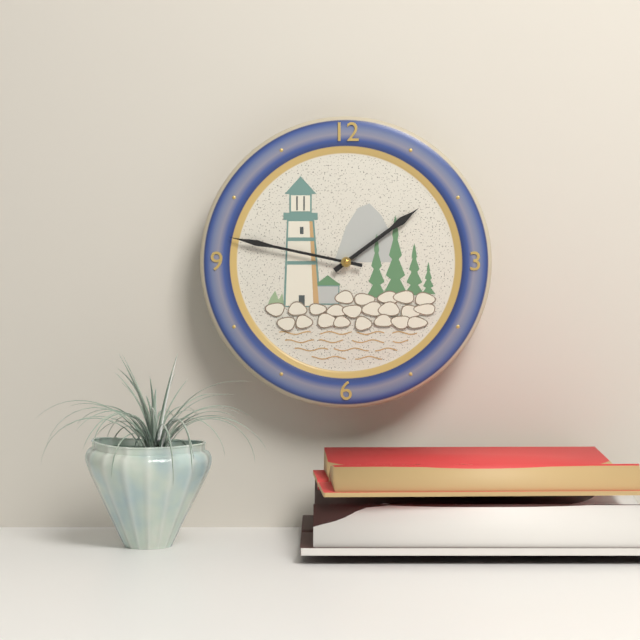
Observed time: 1h47
